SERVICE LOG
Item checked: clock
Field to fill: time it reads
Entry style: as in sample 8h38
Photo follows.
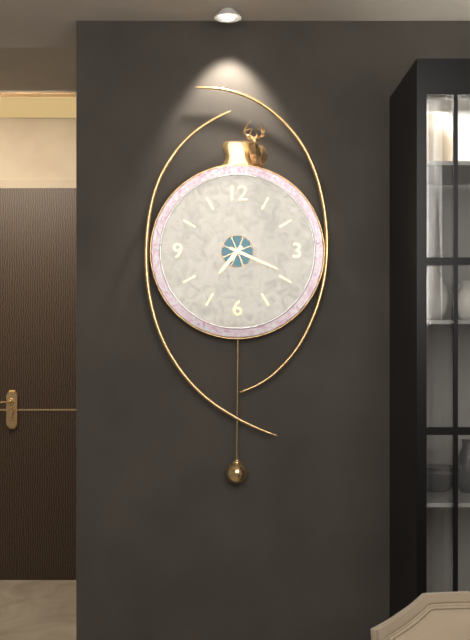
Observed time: 7h19
